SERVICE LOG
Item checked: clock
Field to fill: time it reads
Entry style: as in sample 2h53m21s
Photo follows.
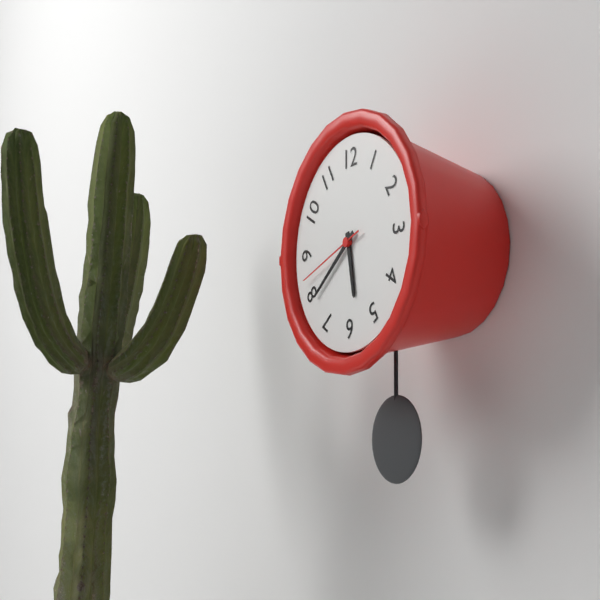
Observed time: 5h39m42s
